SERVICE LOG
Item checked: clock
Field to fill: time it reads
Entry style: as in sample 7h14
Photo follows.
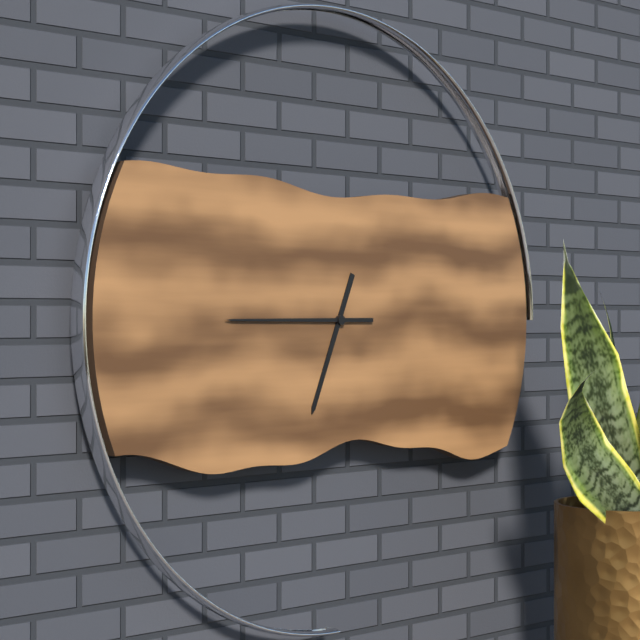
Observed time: 6h45
